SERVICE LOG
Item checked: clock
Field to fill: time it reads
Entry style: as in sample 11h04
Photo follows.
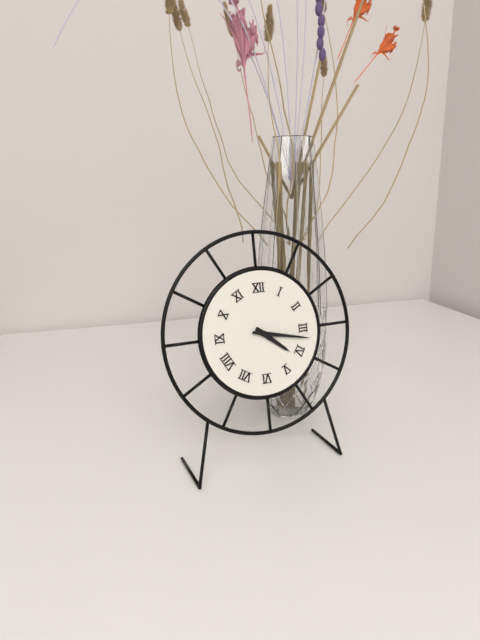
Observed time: 4h17
